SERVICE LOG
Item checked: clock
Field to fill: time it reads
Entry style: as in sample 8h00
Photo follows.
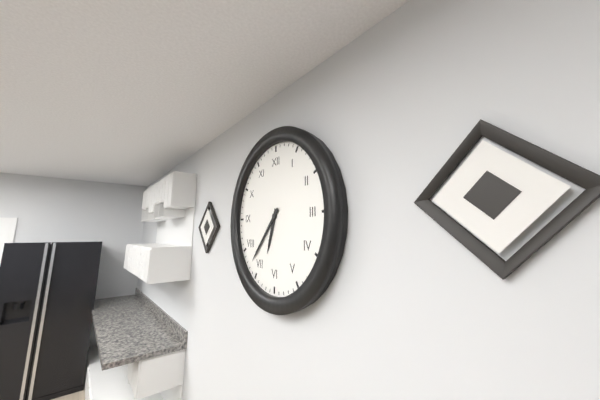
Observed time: 6h37
